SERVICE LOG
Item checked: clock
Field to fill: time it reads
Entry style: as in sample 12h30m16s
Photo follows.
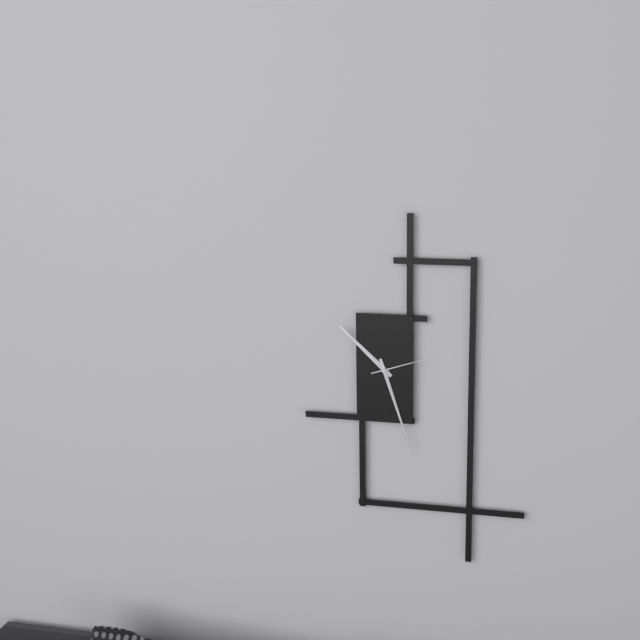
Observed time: 10h27m12s
